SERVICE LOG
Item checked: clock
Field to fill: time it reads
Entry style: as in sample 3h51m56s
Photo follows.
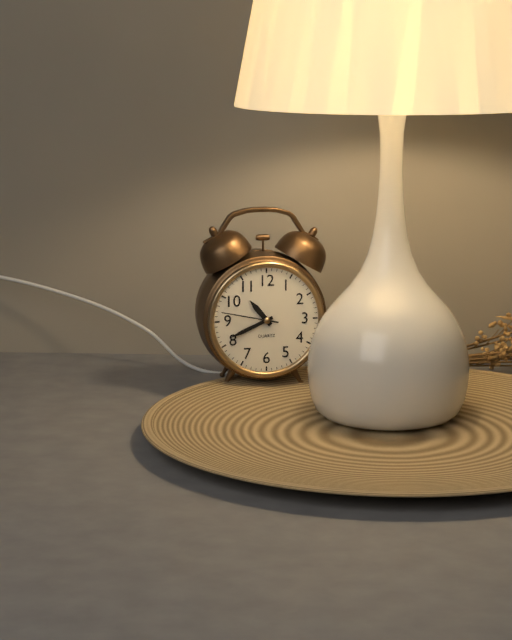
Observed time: 10h41m47s
